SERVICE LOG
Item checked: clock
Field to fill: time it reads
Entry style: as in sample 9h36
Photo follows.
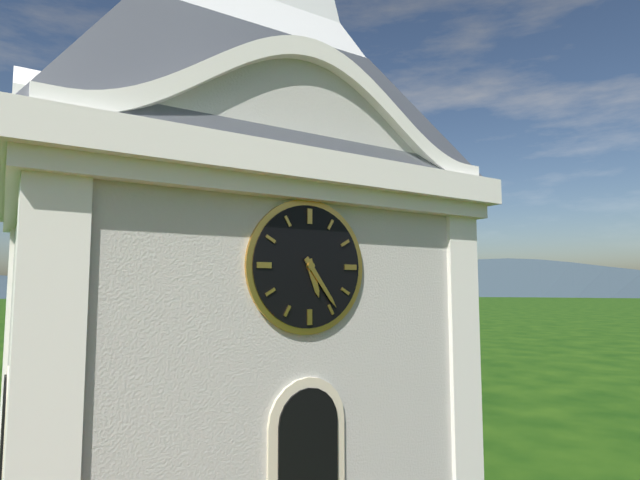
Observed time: 5h24
